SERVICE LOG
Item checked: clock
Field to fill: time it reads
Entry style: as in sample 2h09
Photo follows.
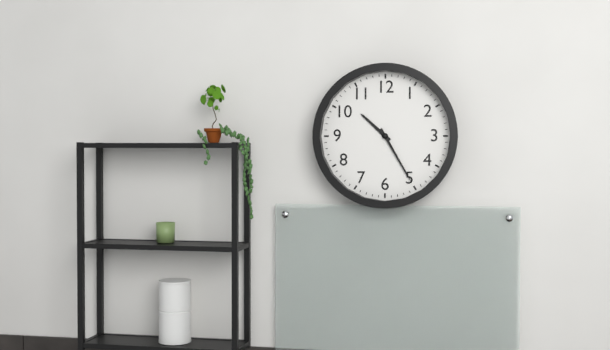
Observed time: 10h25
